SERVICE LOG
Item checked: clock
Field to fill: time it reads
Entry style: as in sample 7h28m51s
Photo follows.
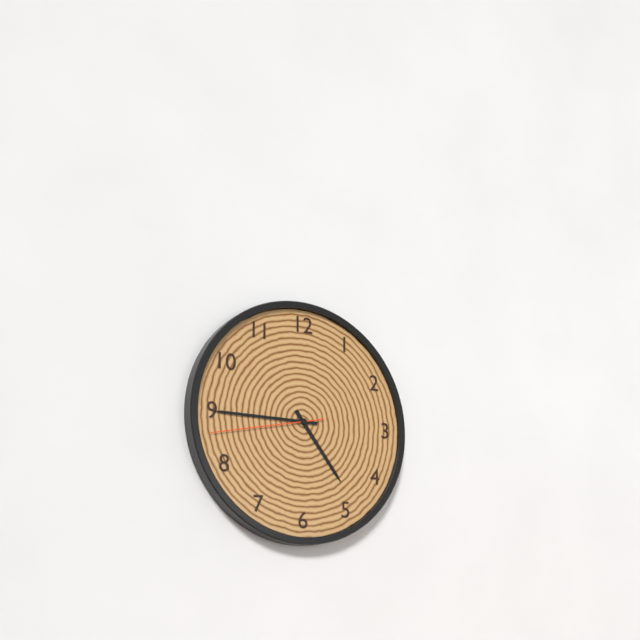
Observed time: 4h45m43s
